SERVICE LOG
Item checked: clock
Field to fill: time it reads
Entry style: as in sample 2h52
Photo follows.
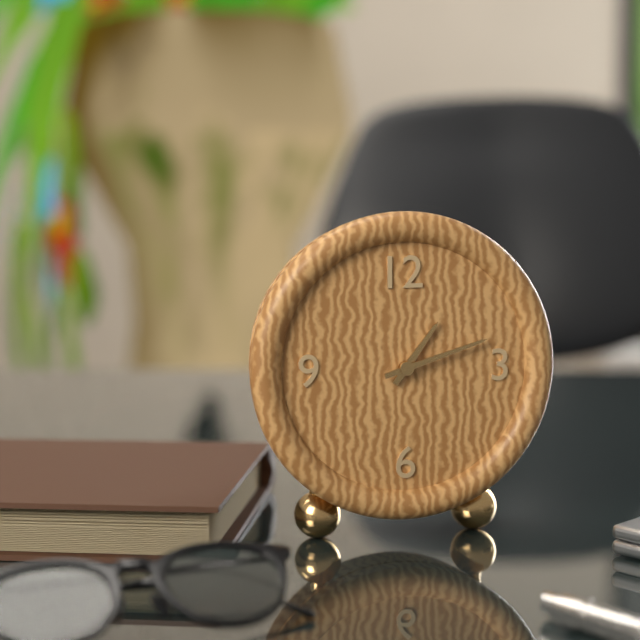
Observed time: 1h12
